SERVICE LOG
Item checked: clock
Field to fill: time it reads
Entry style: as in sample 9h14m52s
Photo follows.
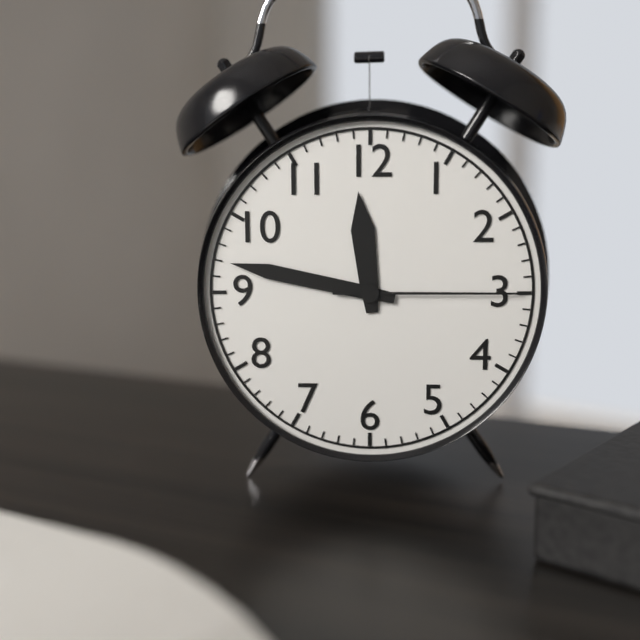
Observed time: 11h47m15s
